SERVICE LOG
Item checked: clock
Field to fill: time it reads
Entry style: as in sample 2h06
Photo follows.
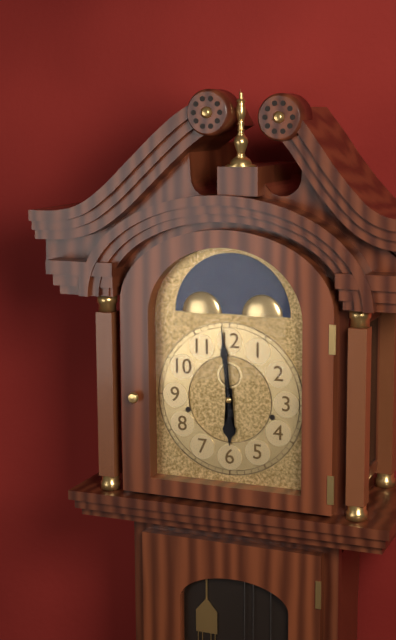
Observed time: 5h59
